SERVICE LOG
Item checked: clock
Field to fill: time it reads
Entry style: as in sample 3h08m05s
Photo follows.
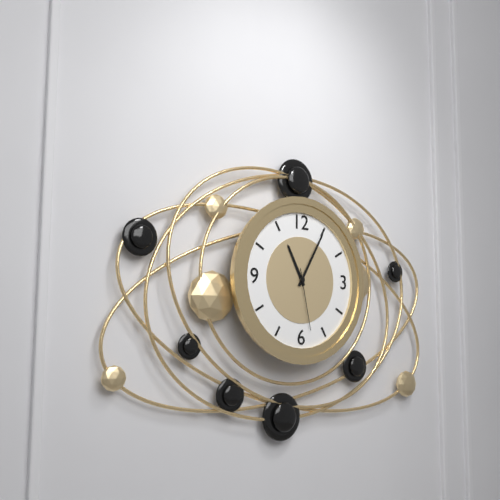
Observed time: 11h05m28s
